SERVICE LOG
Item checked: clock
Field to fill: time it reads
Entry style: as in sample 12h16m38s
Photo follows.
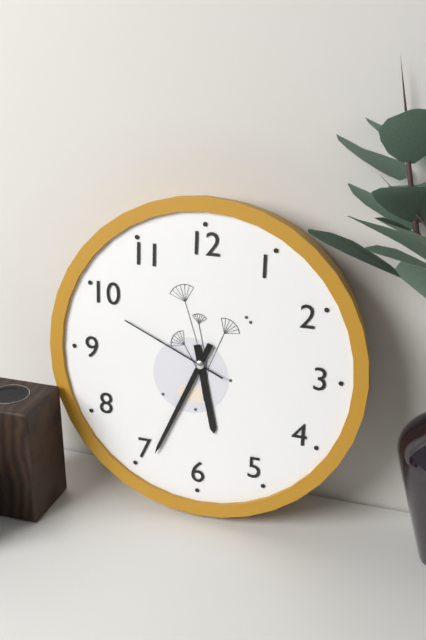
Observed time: 5h34m49s
